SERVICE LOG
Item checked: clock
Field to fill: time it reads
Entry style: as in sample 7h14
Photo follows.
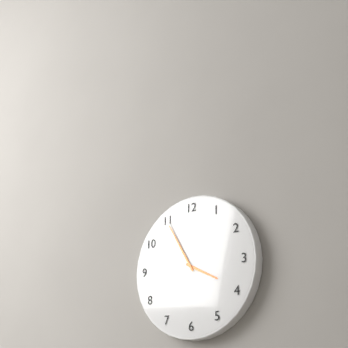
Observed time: 3h55
